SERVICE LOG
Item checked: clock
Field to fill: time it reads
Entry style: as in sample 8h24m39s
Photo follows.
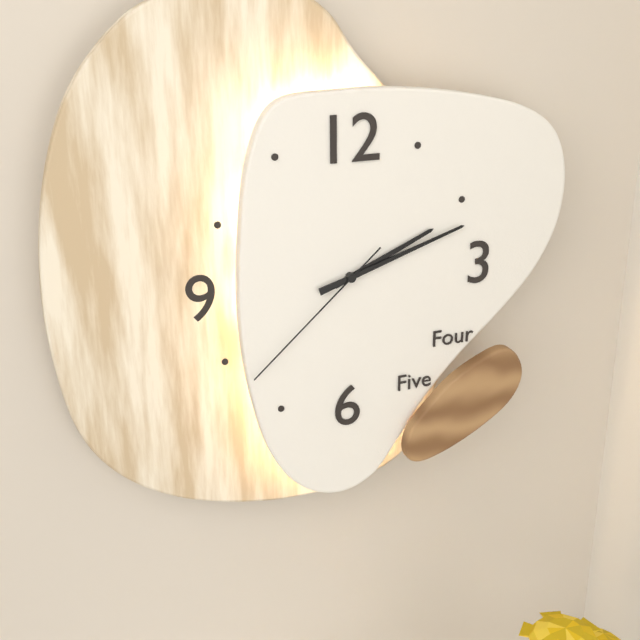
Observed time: 2h12m38s
